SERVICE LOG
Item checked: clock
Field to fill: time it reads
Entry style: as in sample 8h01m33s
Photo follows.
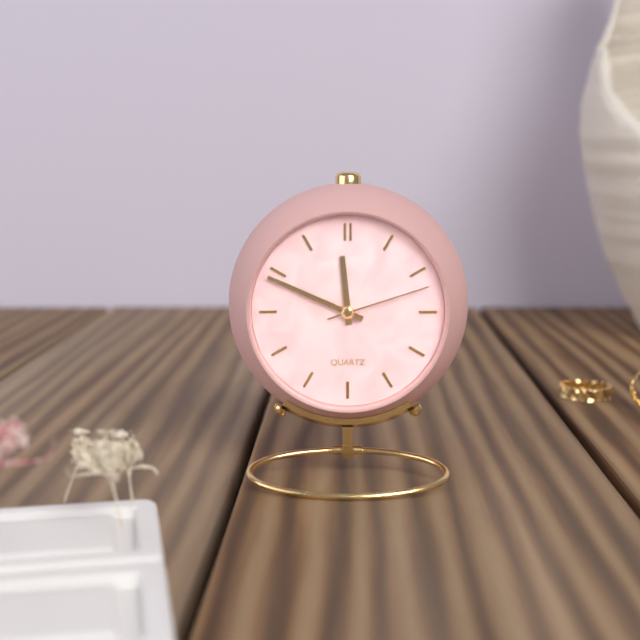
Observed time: 11h49m12s
